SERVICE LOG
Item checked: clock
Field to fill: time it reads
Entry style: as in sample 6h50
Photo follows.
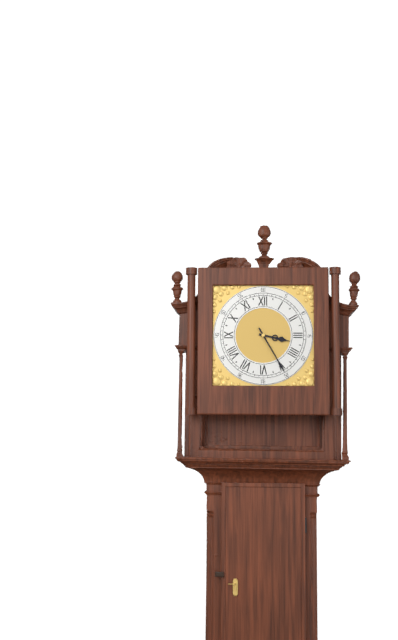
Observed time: 3h25
